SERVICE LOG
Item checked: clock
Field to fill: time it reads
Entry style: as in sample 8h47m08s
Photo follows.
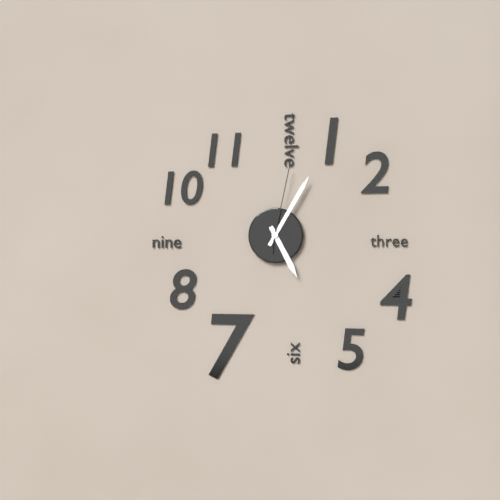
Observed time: 5h05m02s
